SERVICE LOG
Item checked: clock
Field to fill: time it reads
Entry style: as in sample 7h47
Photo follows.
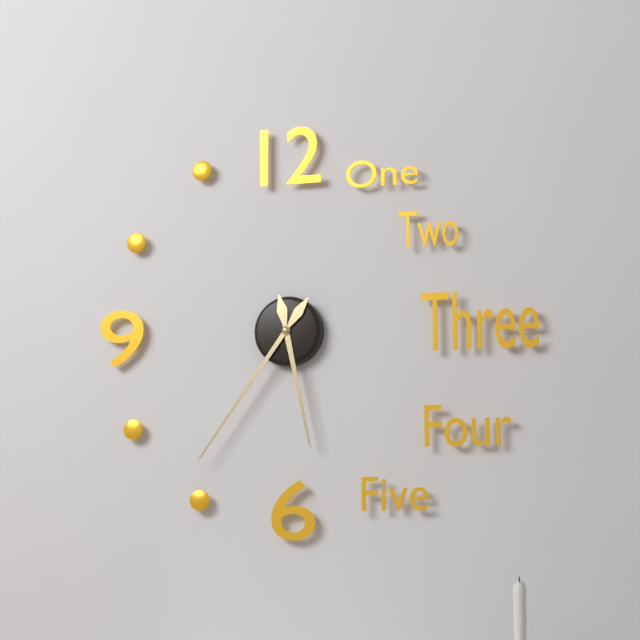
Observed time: 5h36
